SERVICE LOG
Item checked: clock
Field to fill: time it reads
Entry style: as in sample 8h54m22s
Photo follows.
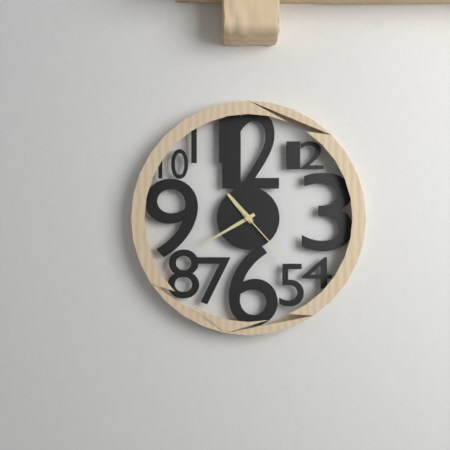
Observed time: 10h40m23s
